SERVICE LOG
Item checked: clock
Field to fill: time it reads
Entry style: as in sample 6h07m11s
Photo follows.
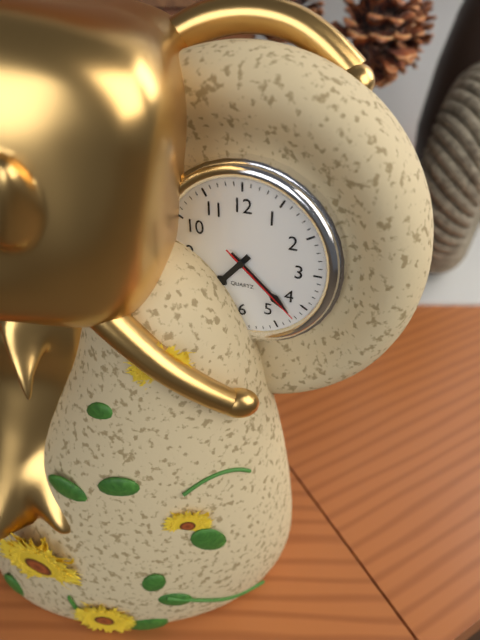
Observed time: 7h22m22s
